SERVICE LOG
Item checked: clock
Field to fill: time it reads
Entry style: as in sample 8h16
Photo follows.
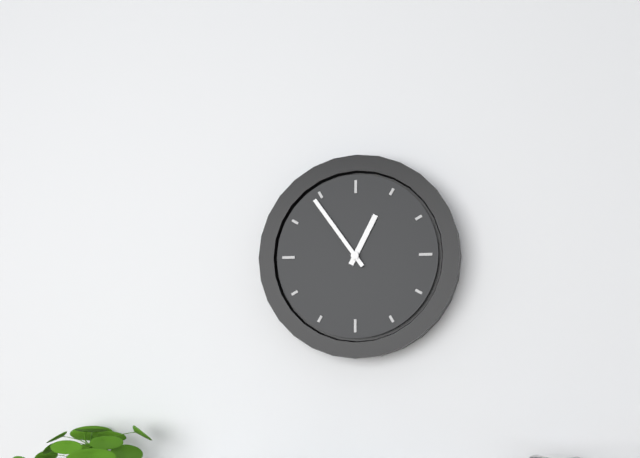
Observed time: 12h54
